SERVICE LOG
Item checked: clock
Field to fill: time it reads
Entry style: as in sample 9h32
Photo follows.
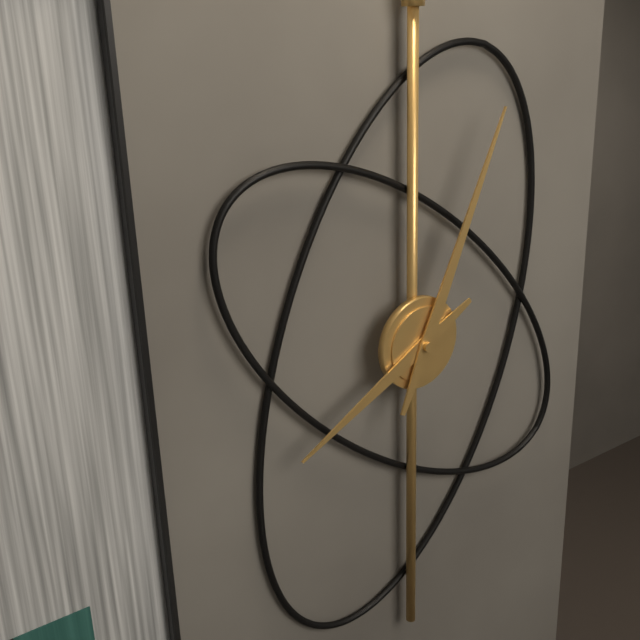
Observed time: 8h04
